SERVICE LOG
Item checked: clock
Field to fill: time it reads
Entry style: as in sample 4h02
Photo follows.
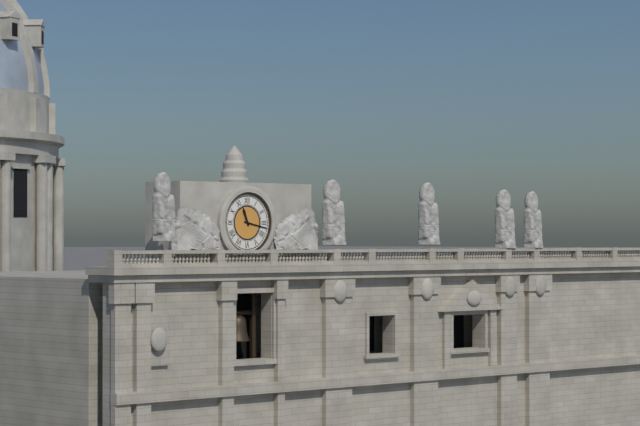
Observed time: 11h17
